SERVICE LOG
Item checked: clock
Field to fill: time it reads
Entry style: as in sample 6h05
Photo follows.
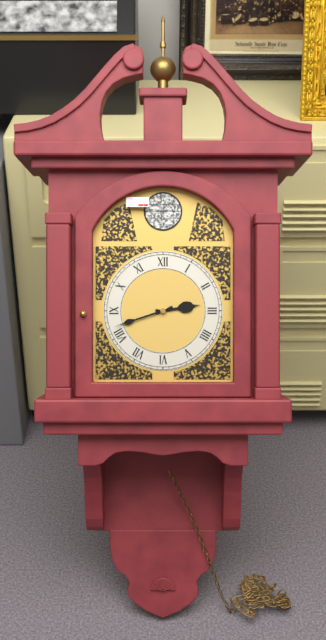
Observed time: 2h42
